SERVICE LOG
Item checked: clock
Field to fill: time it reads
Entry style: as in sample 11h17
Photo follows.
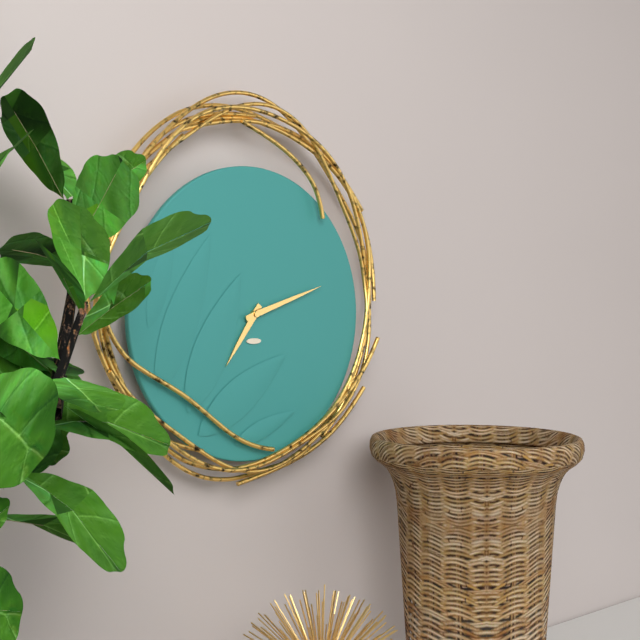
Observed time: 7h12
